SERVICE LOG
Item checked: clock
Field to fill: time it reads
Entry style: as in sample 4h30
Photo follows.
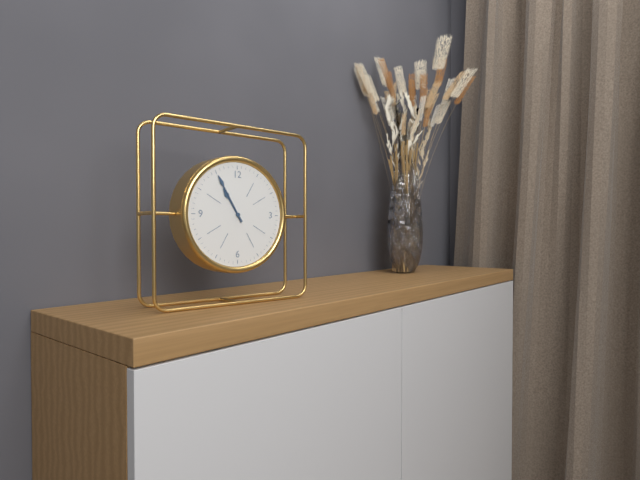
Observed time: 10h55
